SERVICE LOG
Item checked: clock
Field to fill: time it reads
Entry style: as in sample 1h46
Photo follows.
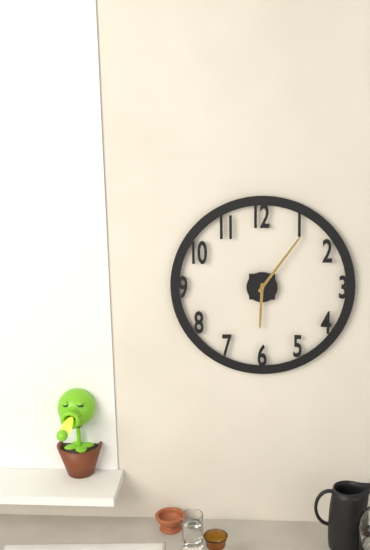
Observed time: 6h06
